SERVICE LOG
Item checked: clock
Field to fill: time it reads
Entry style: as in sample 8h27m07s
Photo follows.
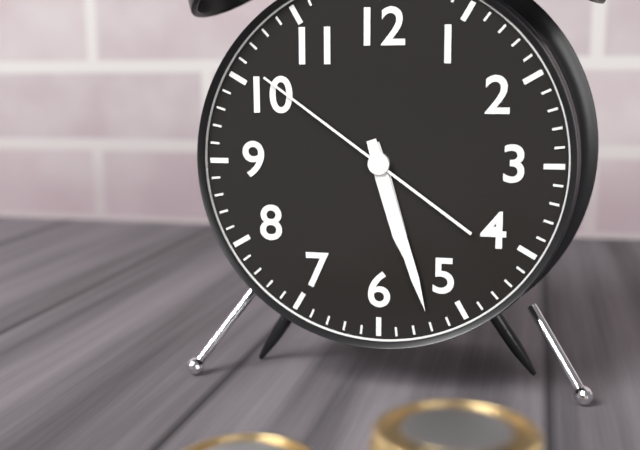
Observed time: 5h27m51s
